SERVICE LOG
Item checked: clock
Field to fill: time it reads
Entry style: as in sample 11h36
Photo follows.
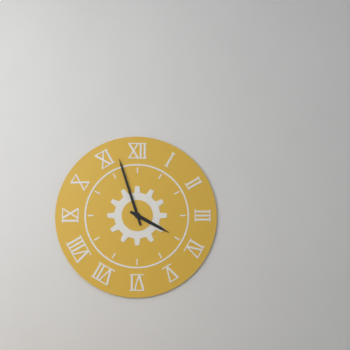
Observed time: 3h57
